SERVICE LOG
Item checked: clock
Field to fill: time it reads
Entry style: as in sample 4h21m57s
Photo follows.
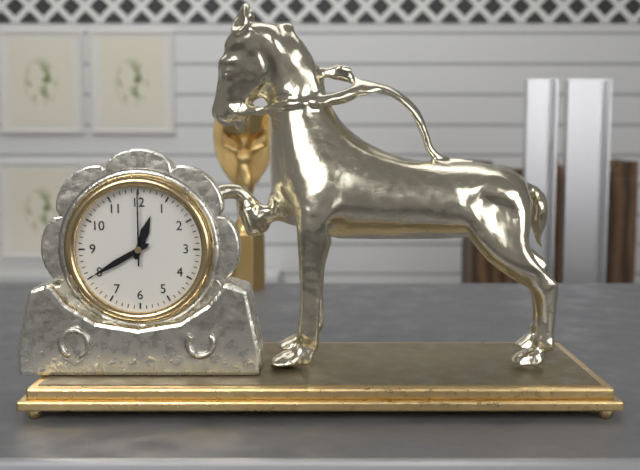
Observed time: 12h40m00s
